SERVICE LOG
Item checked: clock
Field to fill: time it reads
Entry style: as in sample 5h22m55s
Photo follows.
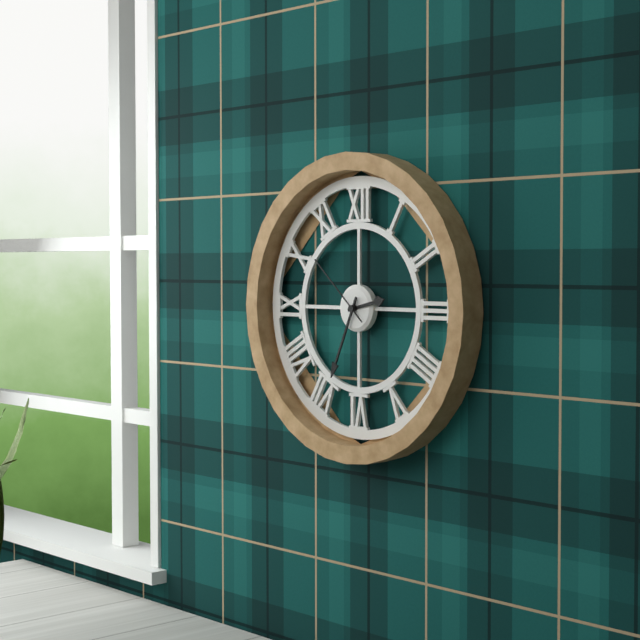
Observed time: 2h34m52s
